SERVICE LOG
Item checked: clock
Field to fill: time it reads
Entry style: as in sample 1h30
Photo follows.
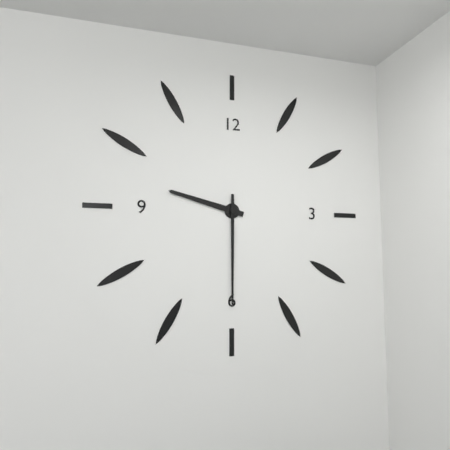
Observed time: 9h30
